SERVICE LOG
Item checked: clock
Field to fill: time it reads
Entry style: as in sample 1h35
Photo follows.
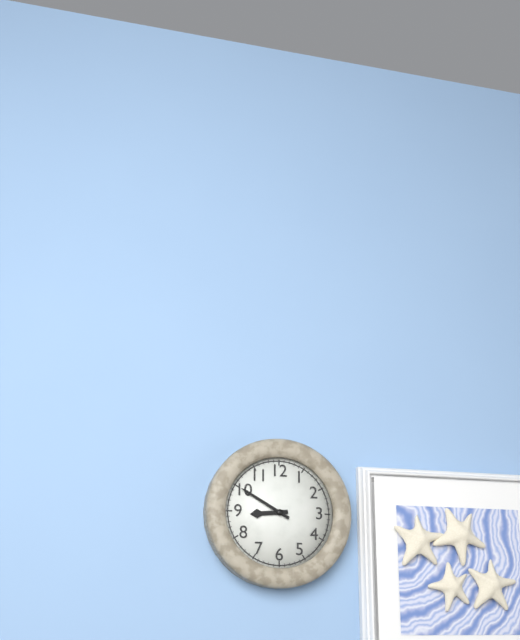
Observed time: 8h50
